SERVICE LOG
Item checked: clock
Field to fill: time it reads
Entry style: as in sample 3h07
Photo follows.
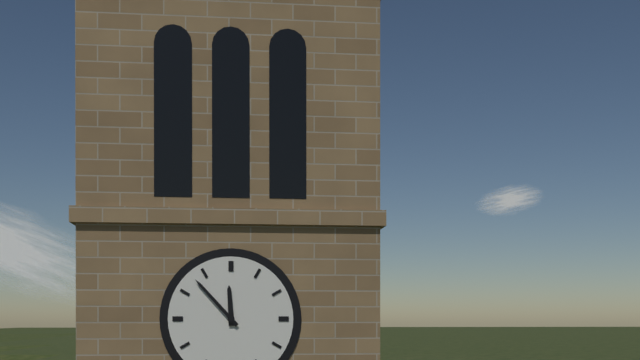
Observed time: 11h53
